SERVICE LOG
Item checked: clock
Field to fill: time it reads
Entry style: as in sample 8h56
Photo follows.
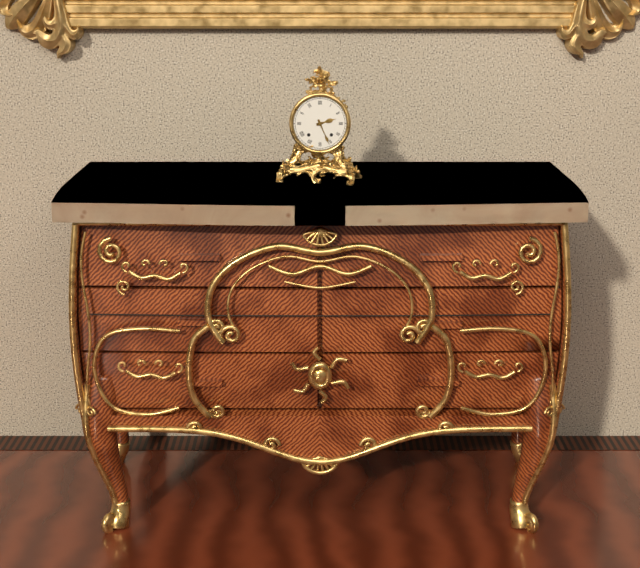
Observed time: 2h26
